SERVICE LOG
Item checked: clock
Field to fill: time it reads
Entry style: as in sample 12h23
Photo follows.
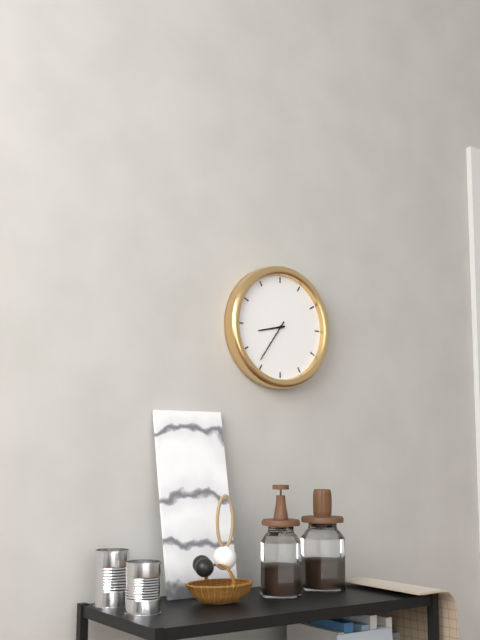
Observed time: 8h36
